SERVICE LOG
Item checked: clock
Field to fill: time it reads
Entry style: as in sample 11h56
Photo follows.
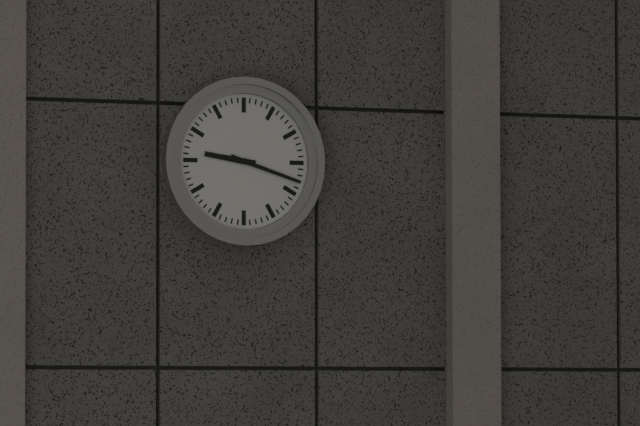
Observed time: 9h18
